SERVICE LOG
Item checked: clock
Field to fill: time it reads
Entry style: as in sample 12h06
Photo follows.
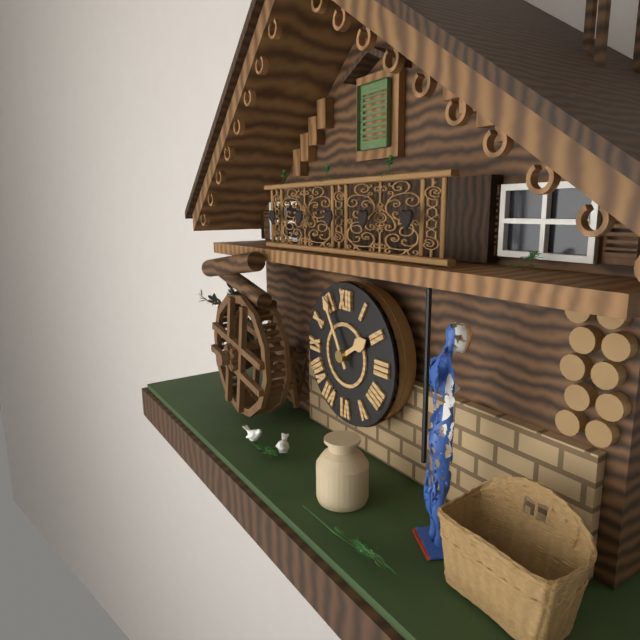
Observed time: 1h55
